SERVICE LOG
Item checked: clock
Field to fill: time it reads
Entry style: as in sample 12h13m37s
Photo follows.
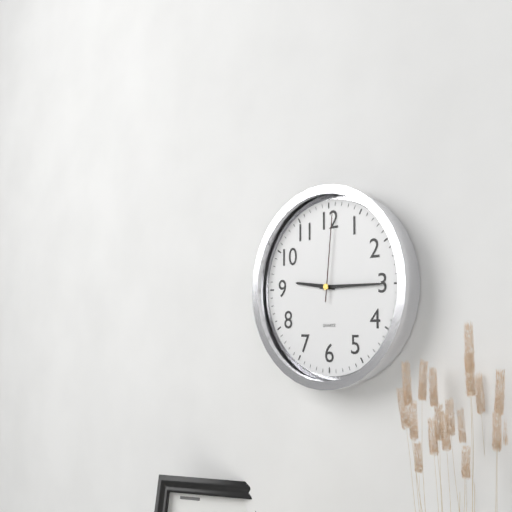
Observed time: 9h15m01s
